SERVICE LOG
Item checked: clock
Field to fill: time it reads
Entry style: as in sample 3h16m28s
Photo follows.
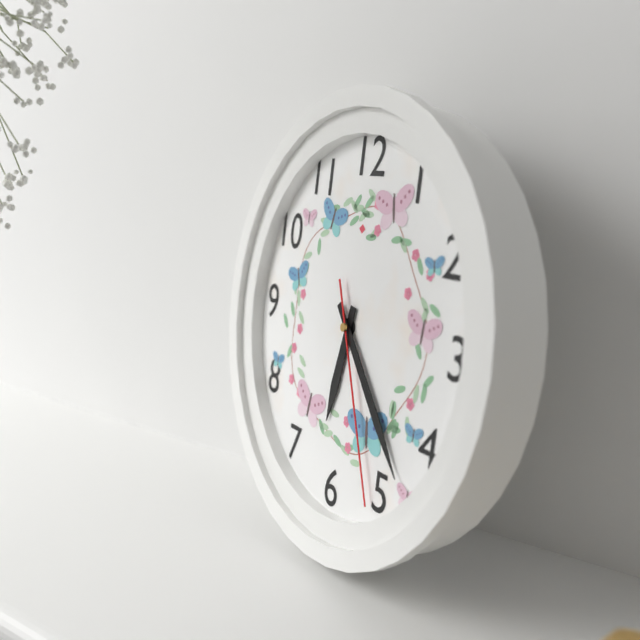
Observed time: 6h23m26s
